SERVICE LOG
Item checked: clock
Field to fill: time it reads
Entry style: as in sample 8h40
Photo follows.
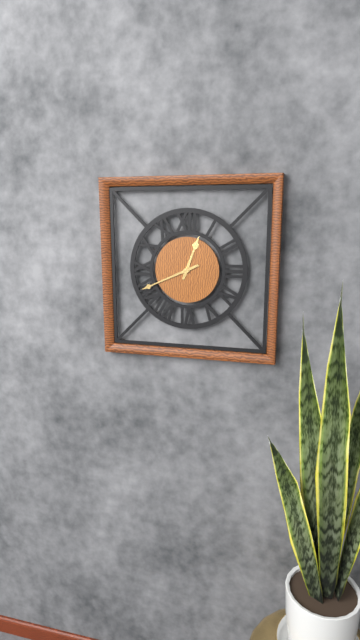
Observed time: 12h41
